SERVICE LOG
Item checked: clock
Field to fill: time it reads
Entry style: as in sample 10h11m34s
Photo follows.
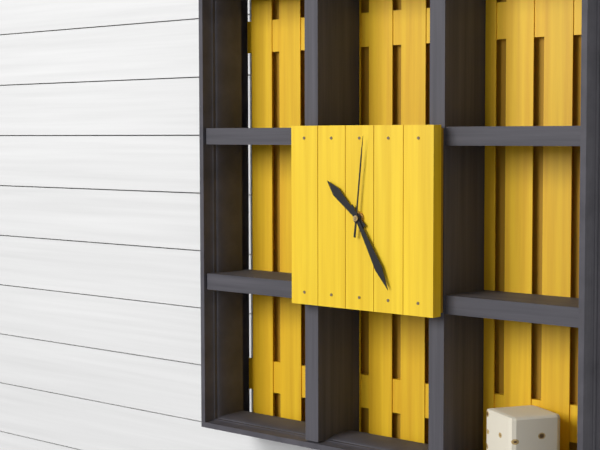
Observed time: 10h25m01s
